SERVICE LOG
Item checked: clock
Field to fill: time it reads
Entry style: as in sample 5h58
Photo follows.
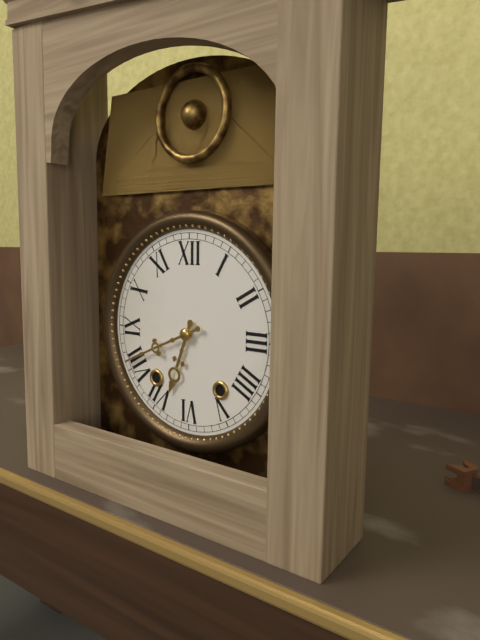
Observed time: 6h41
